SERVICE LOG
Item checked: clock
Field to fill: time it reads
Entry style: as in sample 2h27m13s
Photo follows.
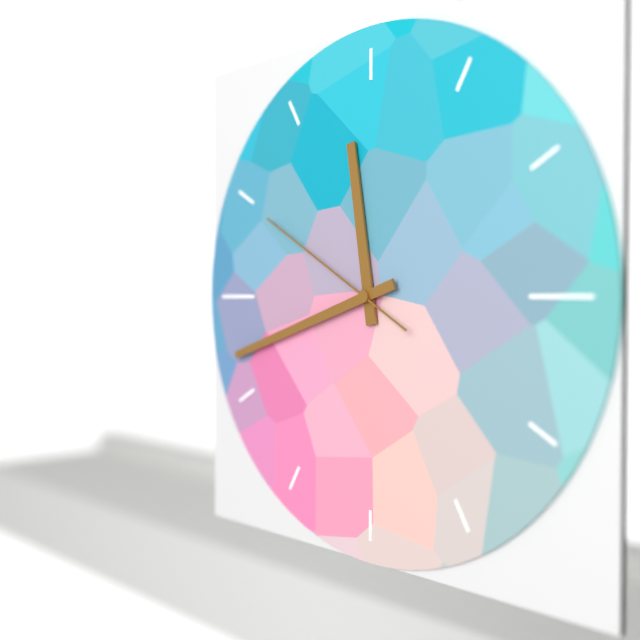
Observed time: 11h42m50s
